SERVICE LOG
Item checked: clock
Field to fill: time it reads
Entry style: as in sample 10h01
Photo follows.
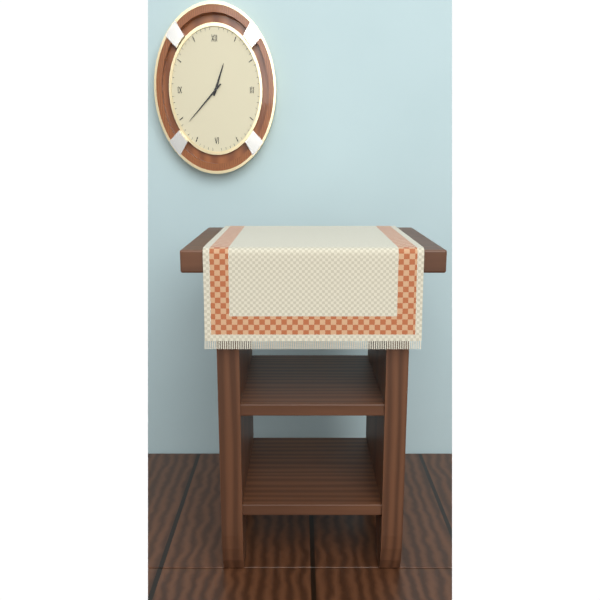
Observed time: 12h37
